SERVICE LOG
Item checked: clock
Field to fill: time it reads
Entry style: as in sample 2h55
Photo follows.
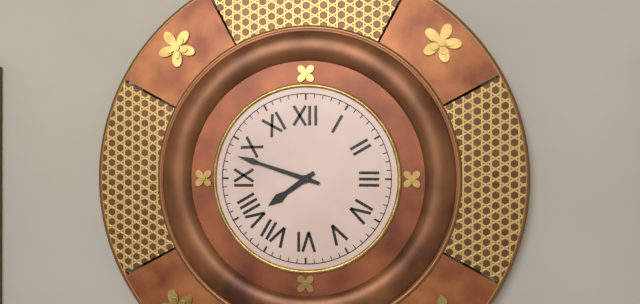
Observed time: 7h48
